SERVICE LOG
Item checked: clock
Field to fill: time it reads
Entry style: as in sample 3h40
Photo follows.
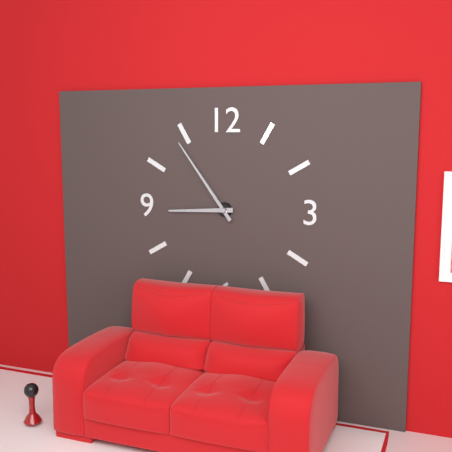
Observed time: 8h54
